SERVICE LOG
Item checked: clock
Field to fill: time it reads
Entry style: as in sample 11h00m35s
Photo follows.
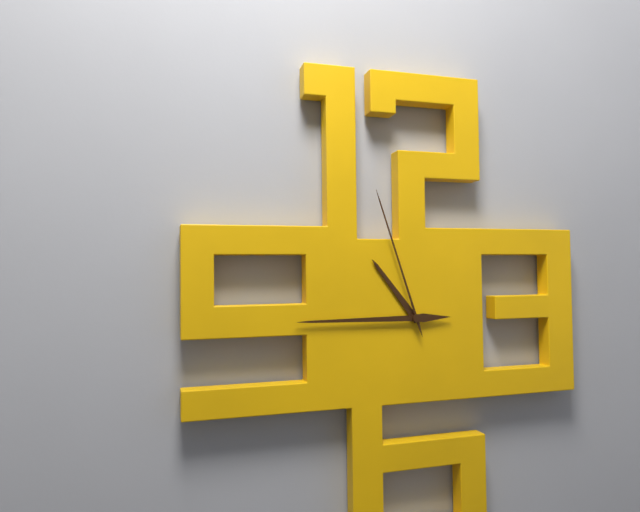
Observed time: 10h45m57s
